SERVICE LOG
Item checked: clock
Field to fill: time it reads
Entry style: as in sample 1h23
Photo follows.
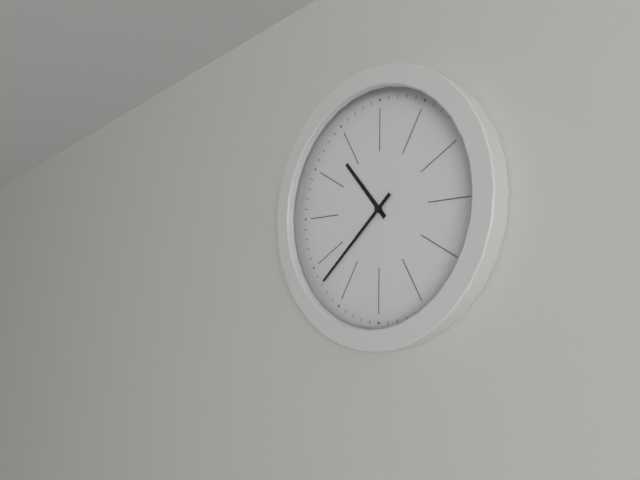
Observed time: 10h38
